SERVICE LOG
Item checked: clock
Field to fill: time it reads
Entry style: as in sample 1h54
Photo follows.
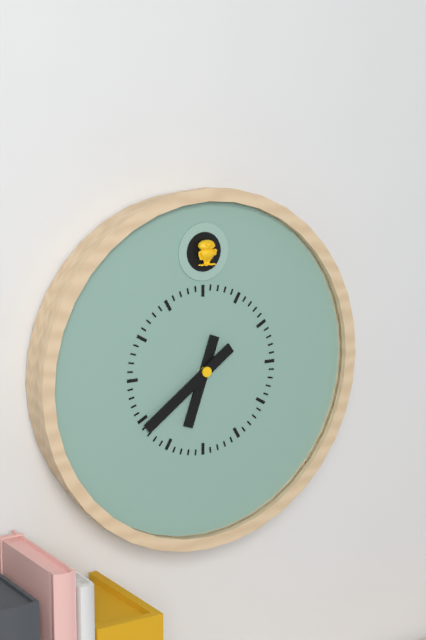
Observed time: 6h39
